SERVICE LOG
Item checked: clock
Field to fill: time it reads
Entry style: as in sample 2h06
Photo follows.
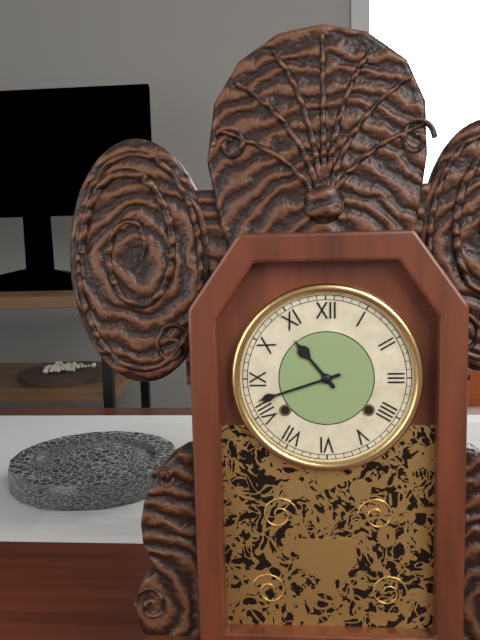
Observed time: 10h42
